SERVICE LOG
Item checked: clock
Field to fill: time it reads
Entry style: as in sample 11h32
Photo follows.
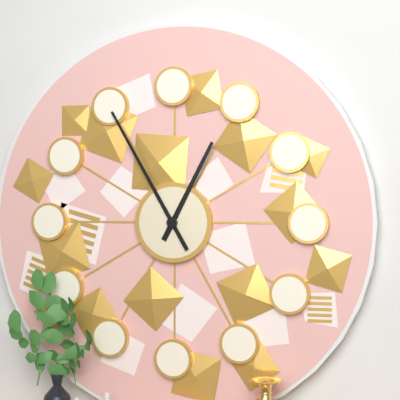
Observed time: 12h55
